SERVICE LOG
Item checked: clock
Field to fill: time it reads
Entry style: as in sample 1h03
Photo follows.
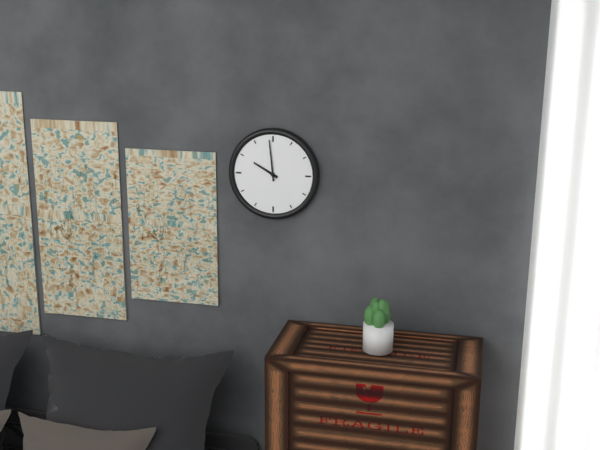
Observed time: 9h59
